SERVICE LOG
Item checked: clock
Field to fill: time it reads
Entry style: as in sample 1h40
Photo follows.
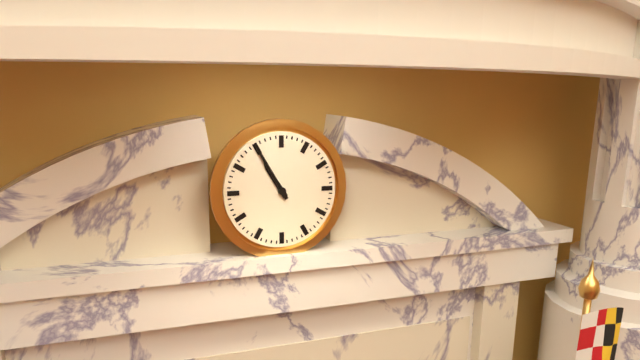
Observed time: 10h55
